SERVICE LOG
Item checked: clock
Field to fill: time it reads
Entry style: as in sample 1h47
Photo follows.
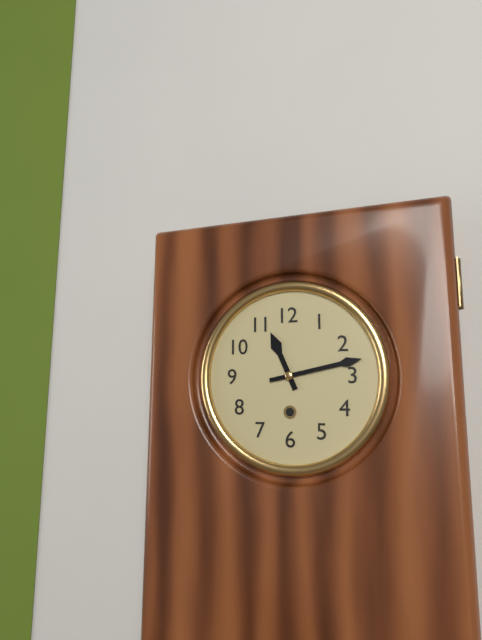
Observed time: 11h13
